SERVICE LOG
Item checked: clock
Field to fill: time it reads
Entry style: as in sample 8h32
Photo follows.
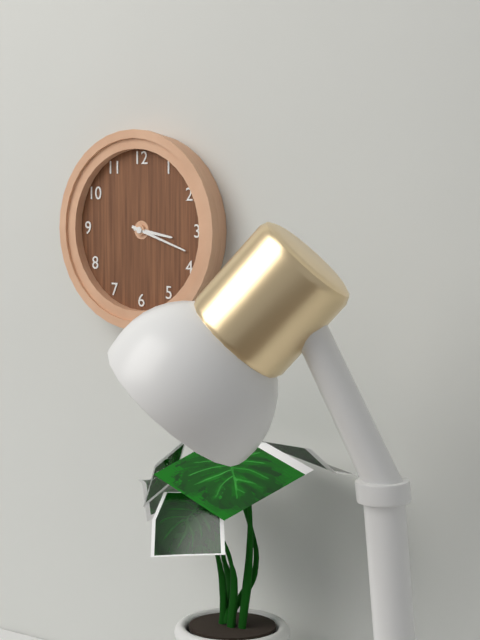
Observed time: 3h18
